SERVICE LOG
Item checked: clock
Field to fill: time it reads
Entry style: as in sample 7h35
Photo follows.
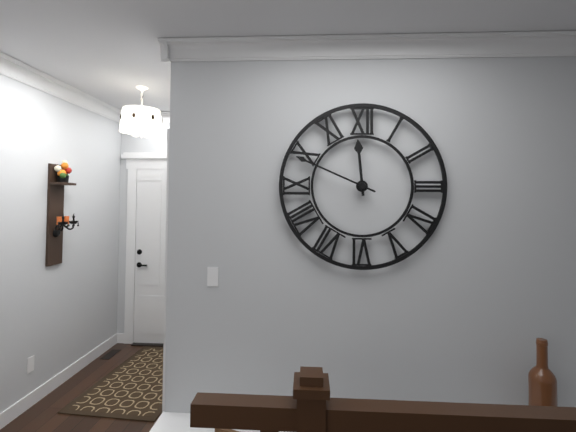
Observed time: 11h49
